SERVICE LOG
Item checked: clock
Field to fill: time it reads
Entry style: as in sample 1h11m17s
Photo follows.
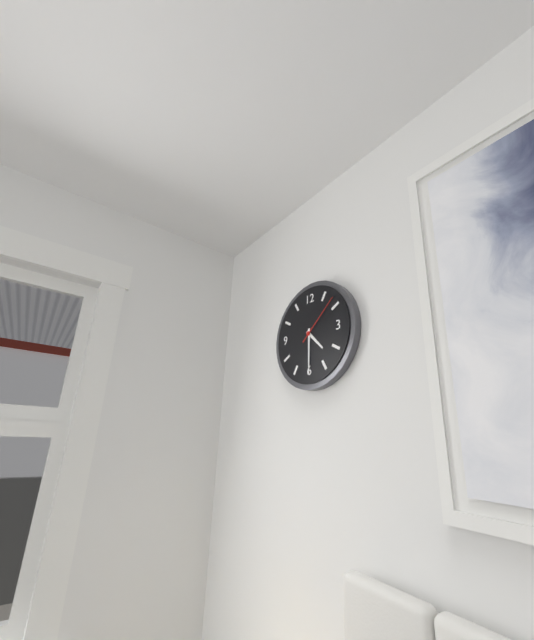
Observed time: 4h30m08s
